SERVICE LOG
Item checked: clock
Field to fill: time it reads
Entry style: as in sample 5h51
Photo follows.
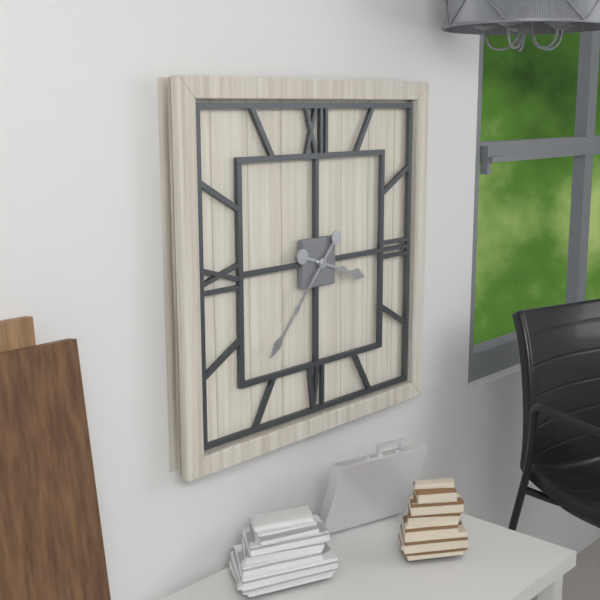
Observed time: 3h37
